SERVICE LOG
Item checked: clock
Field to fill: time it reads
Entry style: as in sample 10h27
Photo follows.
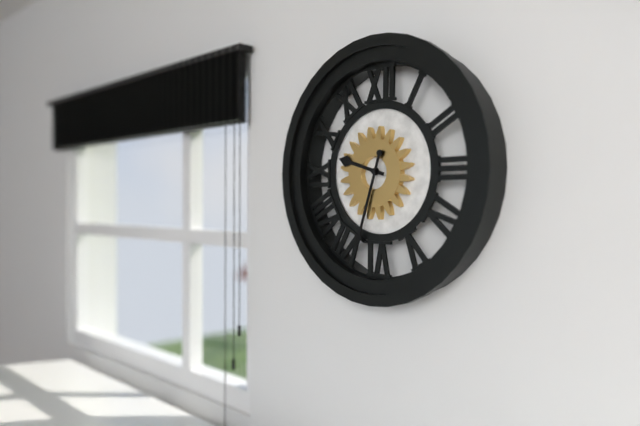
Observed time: 9h33
